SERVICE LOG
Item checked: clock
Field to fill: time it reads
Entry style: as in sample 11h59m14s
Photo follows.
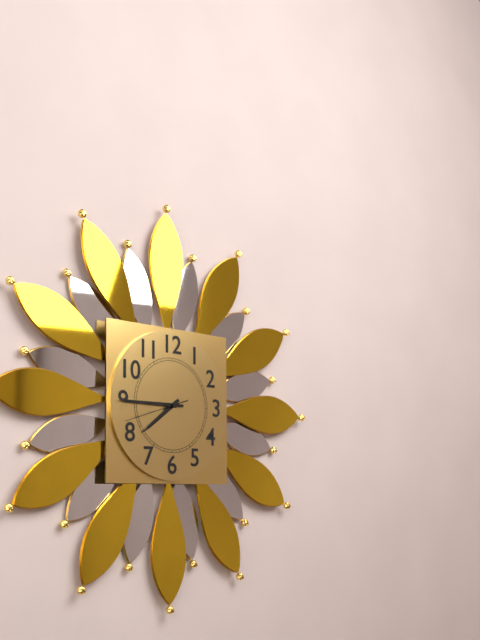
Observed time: 7h45m42s
